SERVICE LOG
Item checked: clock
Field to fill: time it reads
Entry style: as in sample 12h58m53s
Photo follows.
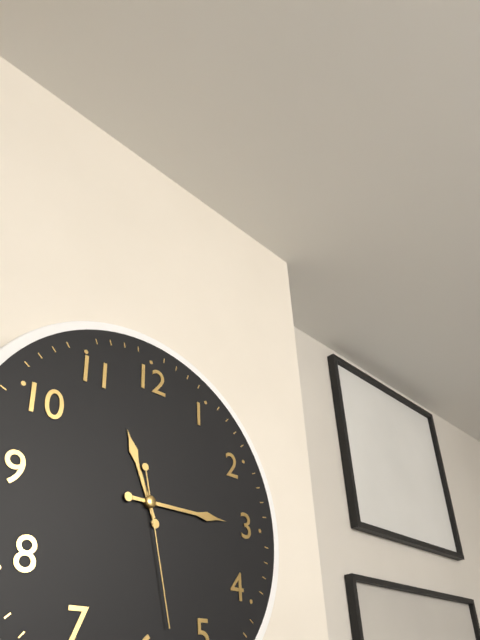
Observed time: 11h15m28s
